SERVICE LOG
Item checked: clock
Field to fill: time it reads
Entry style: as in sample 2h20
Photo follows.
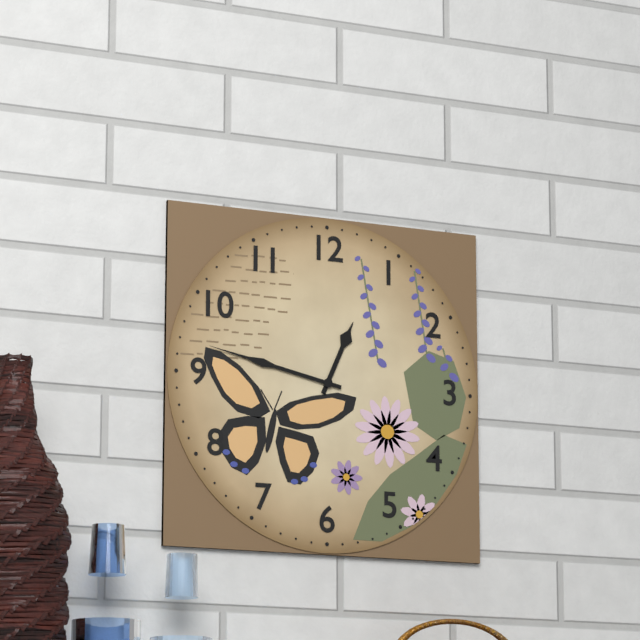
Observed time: 12h47
